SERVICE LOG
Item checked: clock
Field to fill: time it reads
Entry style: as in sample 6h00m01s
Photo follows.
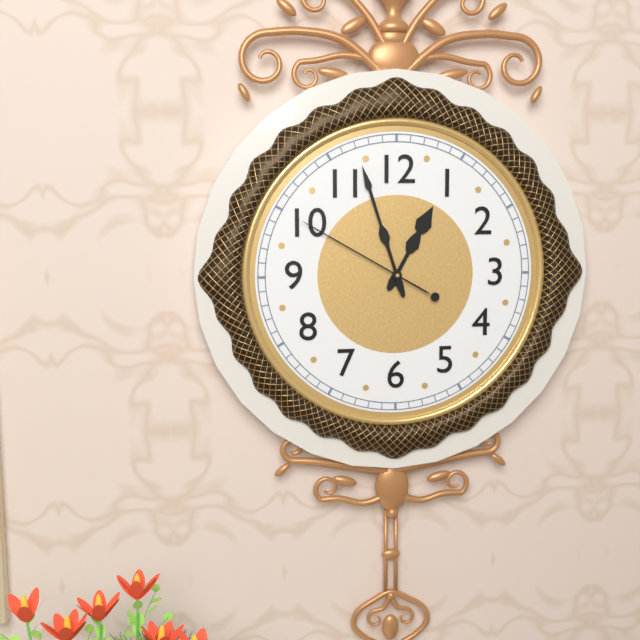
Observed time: 12h57m50s
